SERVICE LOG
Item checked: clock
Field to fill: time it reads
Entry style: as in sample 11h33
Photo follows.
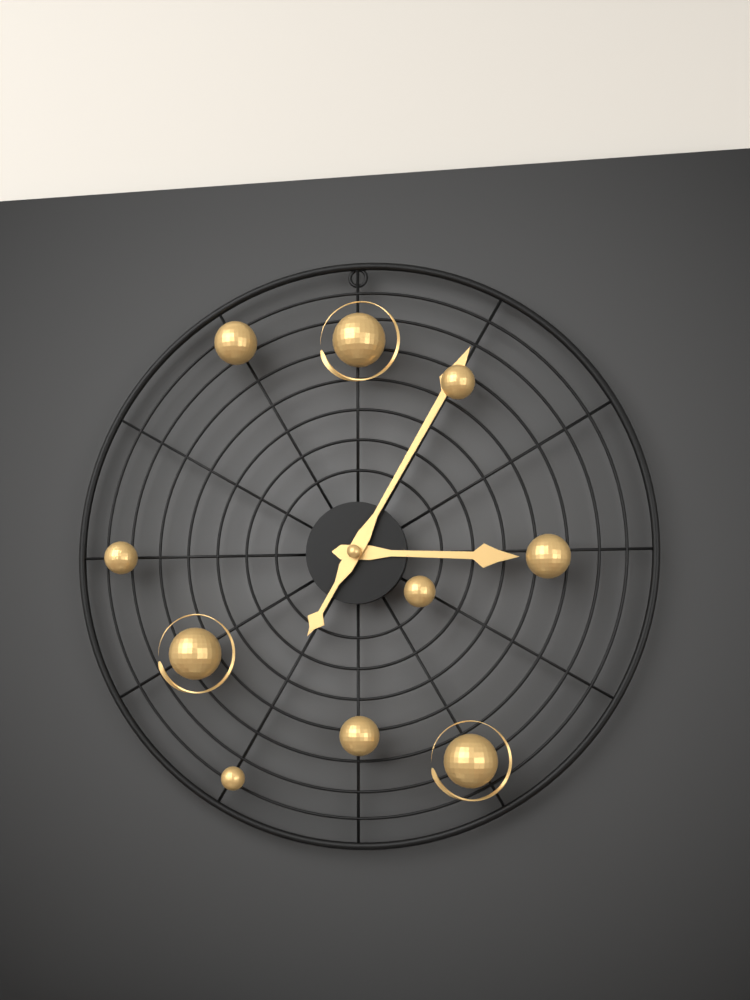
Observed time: 3h05
